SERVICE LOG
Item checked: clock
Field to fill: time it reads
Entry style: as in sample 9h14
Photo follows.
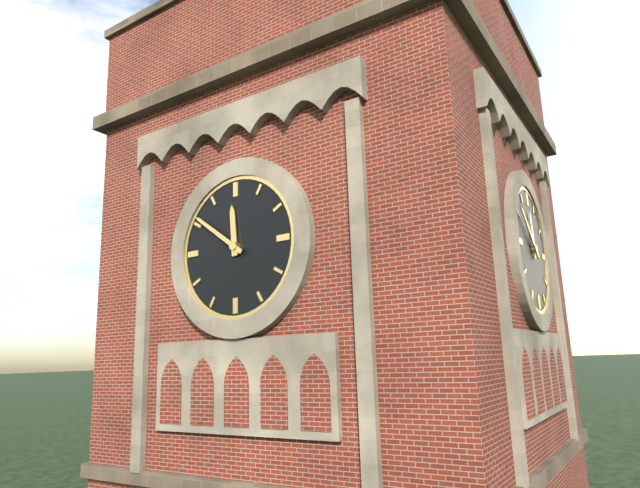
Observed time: 11h51
